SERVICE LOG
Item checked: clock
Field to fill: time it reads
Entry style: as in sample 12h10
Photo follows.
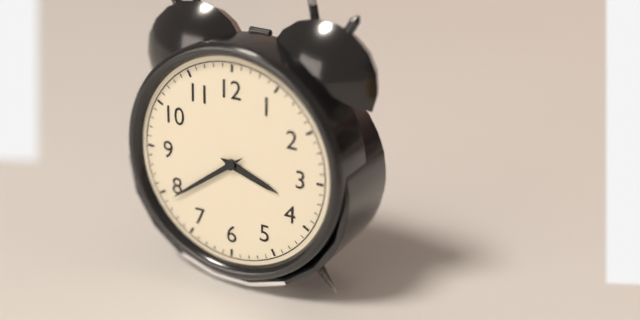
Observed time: 3h39
